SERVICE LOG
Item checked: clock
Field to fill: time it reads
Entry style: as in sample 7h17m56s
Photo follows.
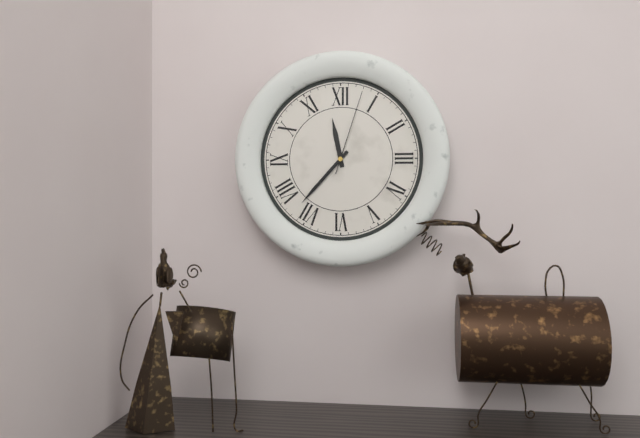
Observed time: 11h37m03s
